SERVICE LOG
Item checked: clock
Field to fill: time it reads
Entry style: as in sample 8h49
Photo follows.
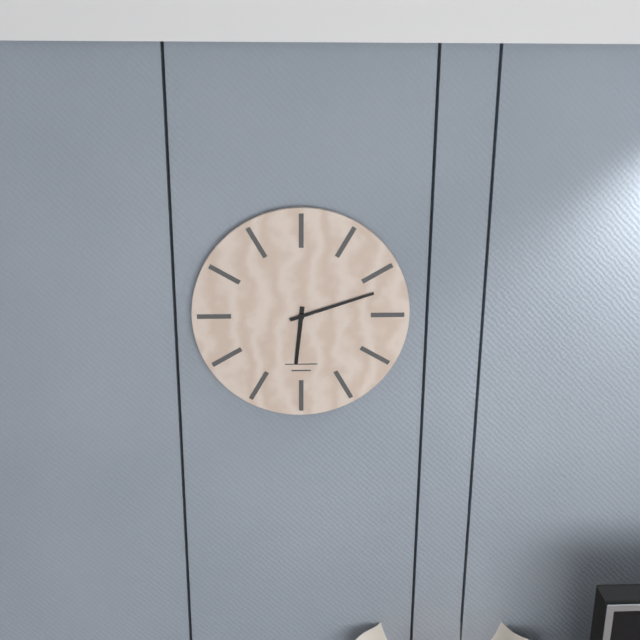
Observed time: 6h12
